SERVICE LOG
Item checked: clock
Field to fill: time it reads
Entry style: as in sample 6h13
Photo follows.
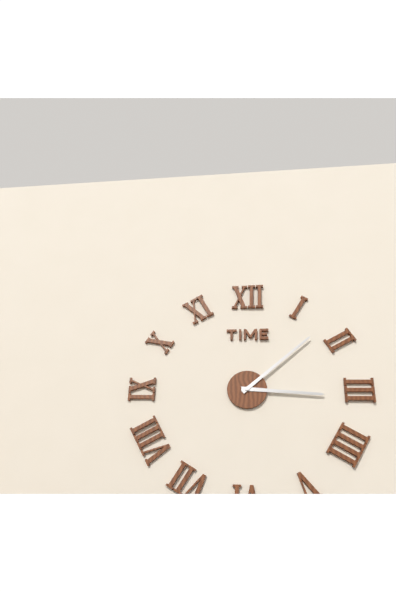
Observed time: 3h08
